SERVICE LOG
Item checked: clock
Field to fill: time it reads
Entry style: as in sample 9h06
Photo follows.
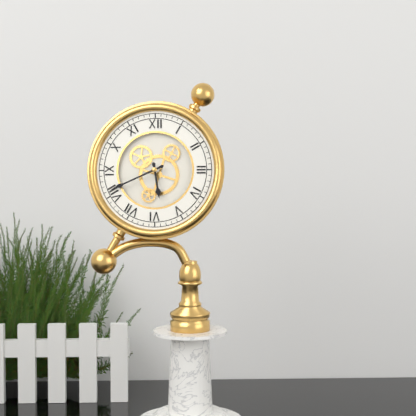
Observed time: 5h41
